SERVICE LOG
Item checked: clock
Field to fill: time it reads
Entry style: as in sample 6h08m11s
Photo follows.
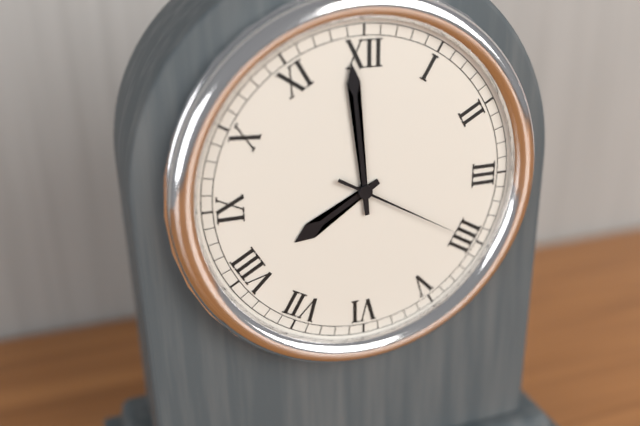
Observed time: 7h59m20s
